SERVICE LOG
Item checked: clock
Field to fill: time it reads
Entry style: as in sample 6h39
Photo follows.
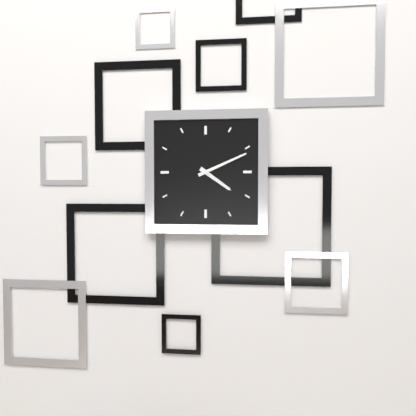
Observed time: 4h11
